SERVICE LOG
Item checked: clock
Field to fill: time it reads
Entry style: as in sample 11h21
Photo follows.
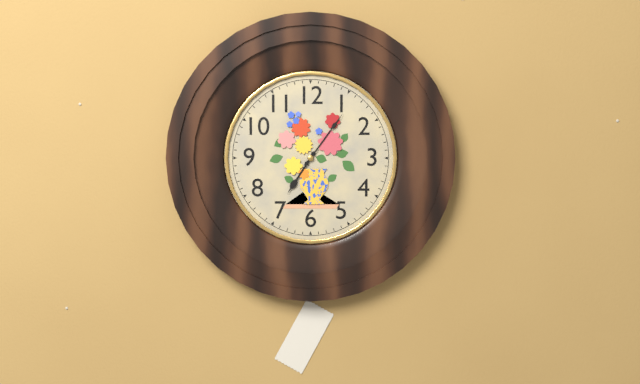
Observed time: 7h06
